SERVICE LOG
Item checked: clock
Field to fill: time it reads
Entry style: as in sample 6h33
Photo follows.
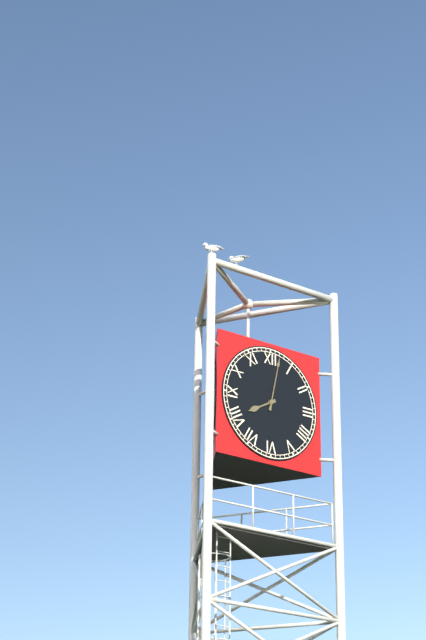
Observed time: 8h02
